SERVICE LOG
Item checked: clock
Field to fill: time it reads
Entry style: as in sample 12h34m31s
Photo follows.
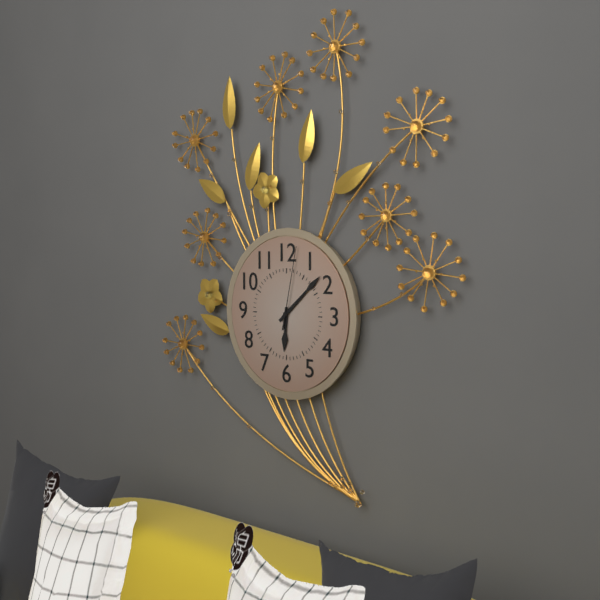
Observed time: 6h08m02s
